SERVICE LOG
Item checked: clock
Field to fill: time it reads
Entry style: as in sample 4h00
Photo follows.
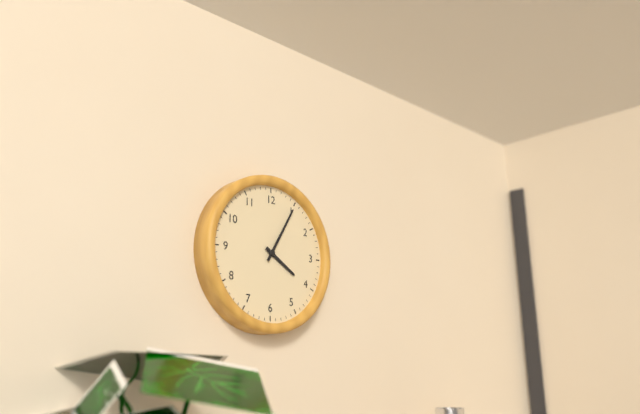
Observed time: 4h05
